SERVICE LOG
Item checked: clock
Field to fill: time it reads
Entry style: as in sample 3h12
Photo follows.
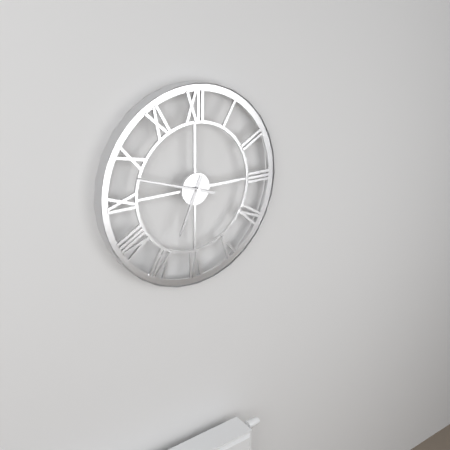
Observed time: 6h48
